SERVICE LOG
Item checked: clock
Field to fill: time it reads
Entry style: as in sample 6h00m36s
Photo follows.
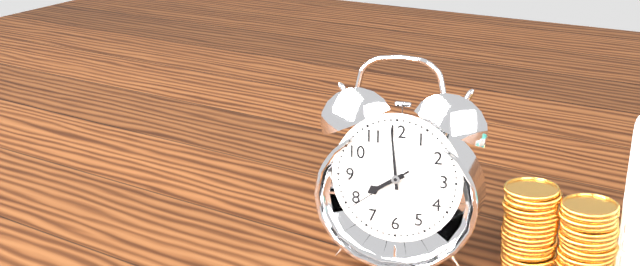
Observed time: 7h59m39s
